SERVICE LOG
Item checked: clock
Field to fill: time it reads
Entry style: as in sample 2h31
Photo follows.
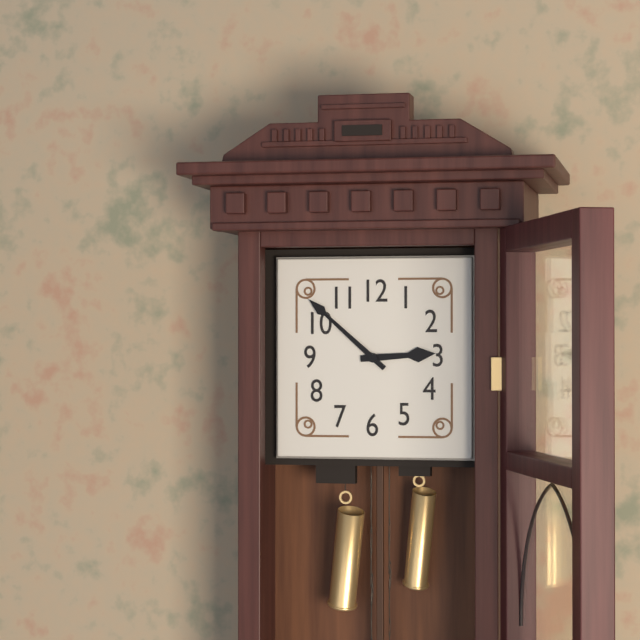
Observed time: 2h52
